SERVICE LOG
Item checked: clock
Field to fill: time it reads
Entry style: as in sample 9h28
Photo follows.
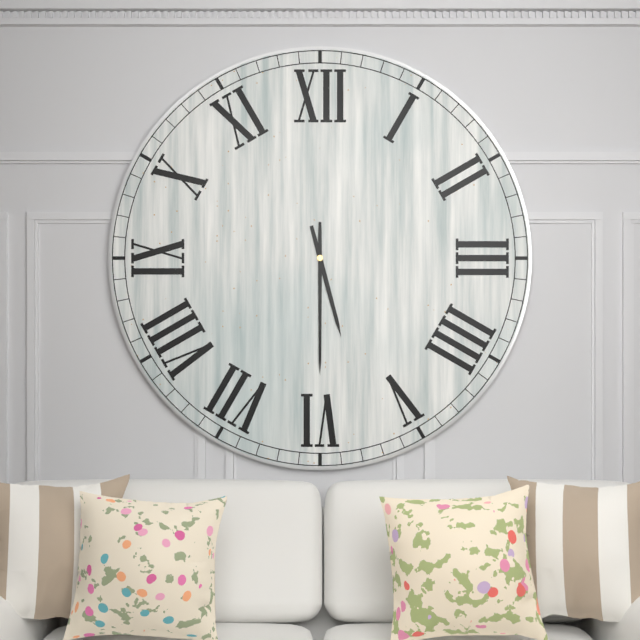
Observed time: 5h30
